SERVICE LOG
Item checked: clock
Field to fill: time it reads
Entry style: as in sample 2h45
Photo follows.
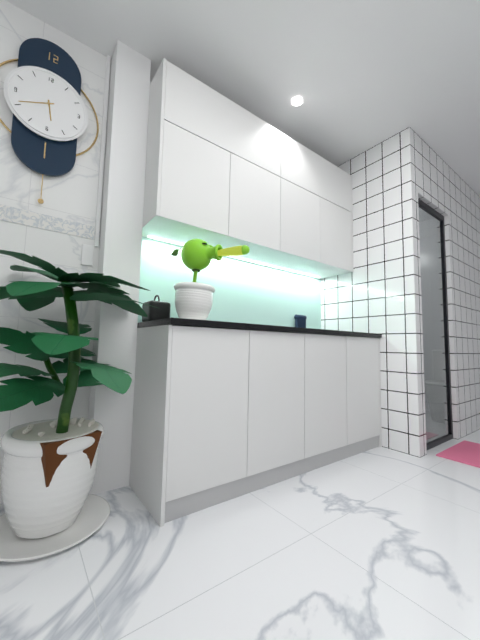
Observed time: 5h41
